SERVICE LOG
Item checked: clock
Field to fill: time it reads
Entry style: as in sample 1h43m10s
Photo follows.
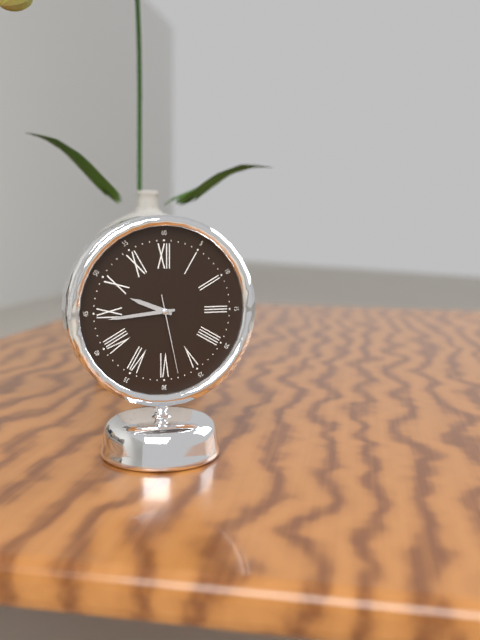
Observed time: 9h44m28s
